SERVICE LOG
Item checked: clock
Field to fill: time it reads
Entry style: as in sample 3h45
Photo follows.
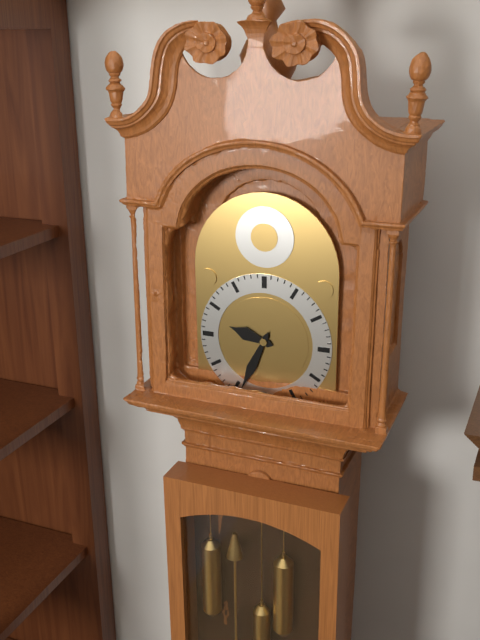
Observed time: 9h34
